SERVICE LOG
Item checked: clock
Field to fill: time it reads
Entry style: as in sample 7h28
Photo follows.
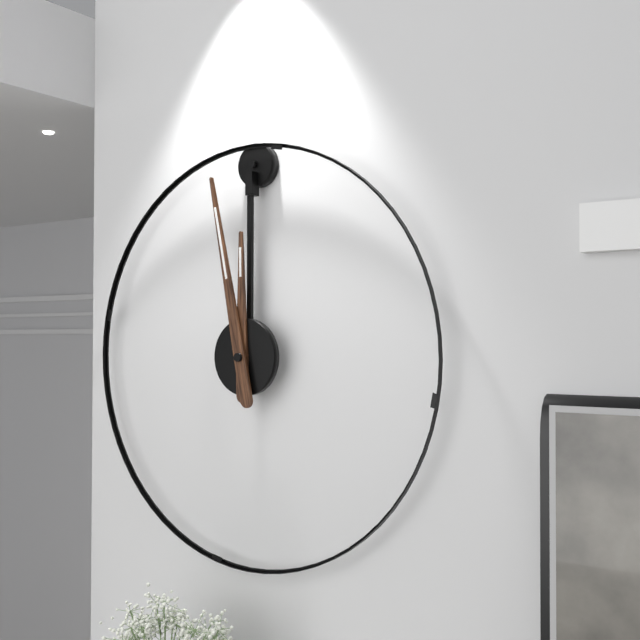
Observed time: 11h58
